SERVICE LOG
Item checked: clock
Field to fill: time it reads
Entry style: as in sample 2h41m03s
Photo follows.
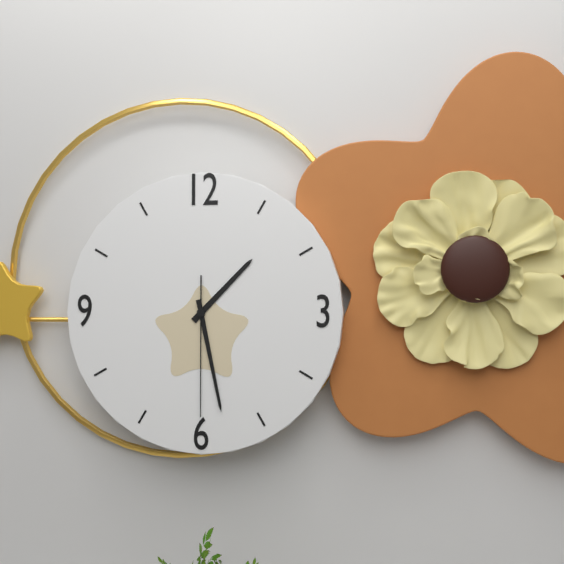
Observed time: 1h28m30s
